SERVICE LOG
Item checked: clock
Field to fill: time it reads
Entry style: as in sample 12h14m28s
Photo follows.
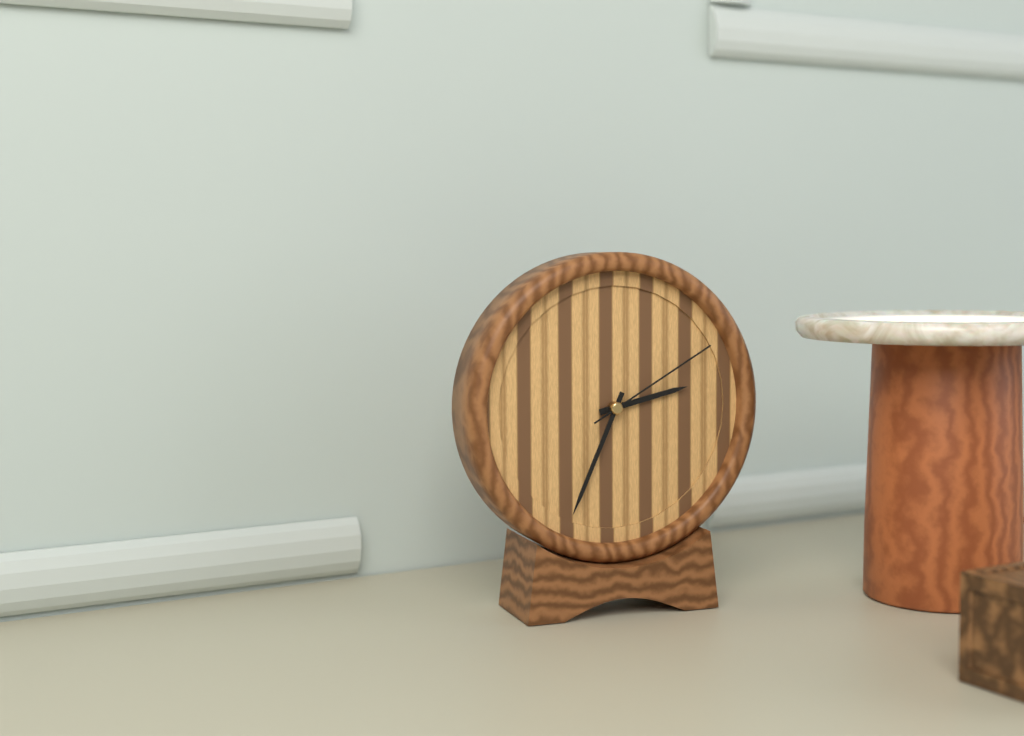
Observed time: 2h34m10s
